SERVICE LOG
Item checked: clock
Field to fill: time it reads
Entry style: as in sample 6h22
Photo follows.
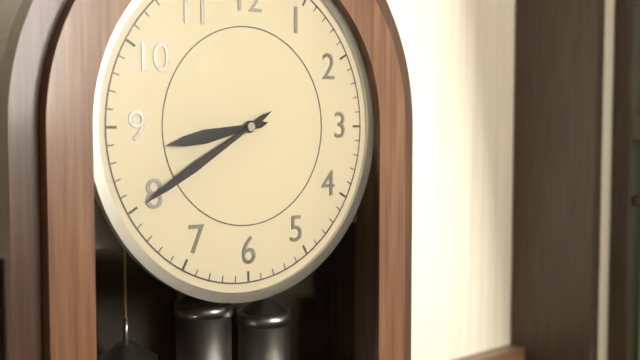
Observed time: 8h40
